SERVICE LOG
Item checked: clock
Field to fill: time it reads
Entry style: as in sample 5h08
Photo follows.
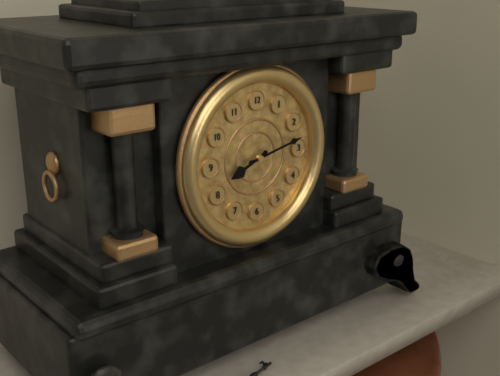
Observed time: 8h13
